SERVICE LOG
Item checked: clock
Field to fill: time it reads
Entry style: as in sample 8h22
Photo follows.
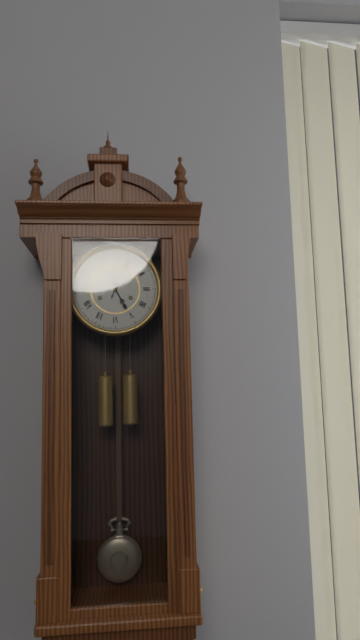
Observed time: 5h04
